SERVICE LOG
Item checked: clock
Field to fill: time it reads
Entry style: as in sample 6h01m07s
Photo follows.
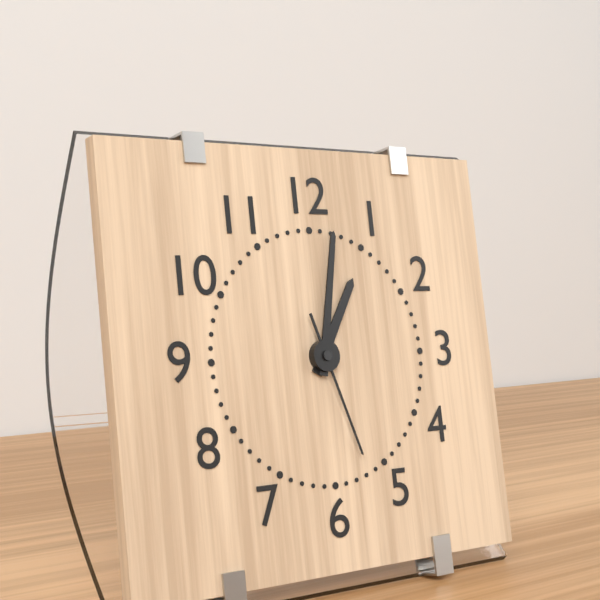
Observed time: 1h02m27s
